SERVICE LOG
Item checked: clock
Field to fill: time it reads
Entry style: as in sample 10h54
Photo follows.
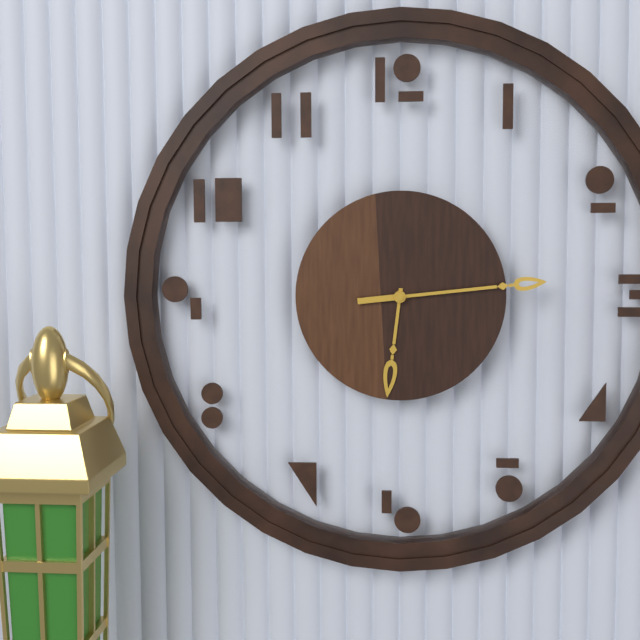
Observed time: 6h14
